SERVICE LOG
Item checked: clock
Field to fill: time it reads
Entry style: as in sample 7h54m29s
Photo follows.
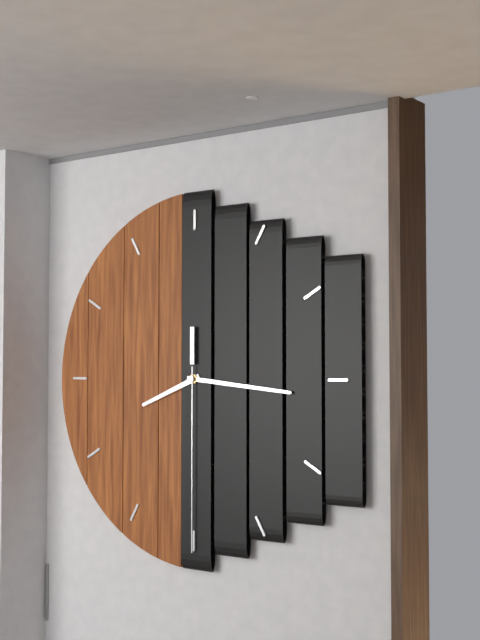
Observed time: 8h16m30s
